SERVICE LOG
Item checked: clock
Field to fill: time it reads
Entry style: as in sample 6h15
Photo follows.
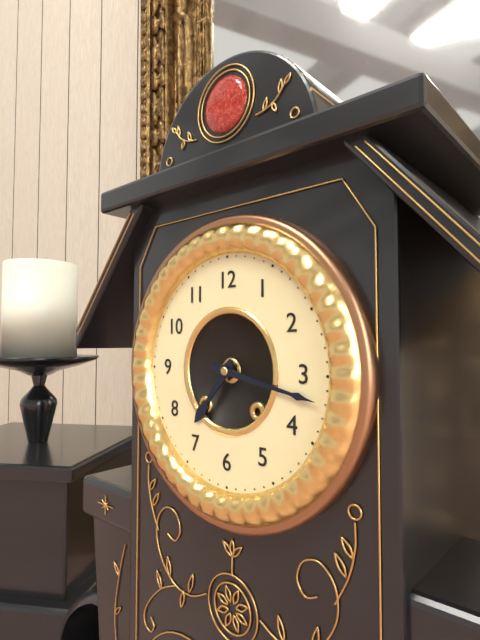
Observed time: 7h17
